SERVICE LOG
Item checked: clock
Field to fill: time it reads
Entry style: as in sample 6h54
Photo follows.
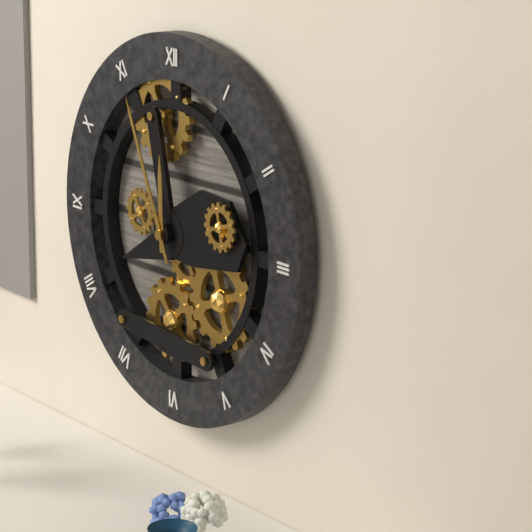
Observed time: 11h56
